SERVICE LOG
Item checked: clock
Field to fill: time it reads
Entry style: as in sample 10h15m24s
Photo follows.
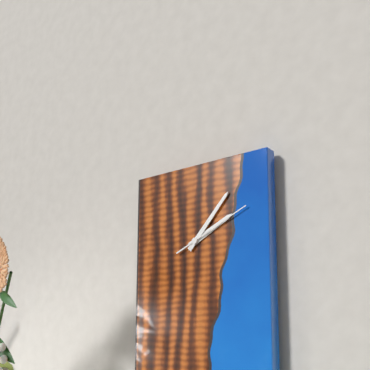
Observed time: 2h07m11s
